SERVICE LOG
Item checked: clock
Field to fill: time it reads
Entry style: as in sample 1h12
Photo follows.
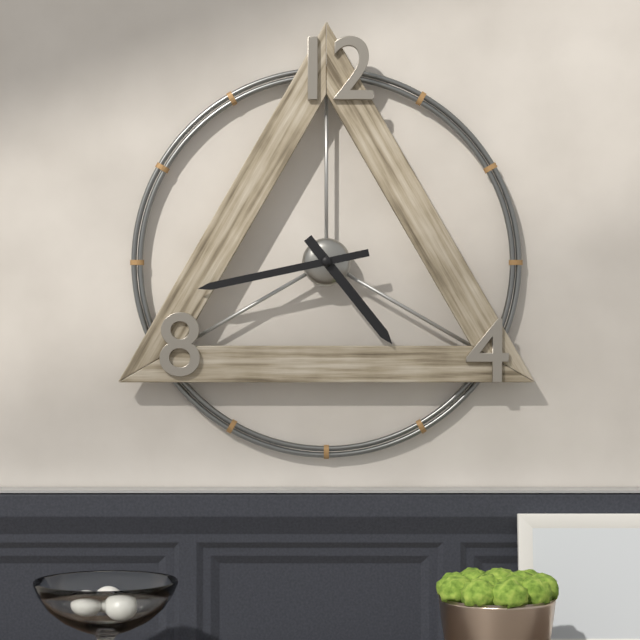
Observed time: 4h43
